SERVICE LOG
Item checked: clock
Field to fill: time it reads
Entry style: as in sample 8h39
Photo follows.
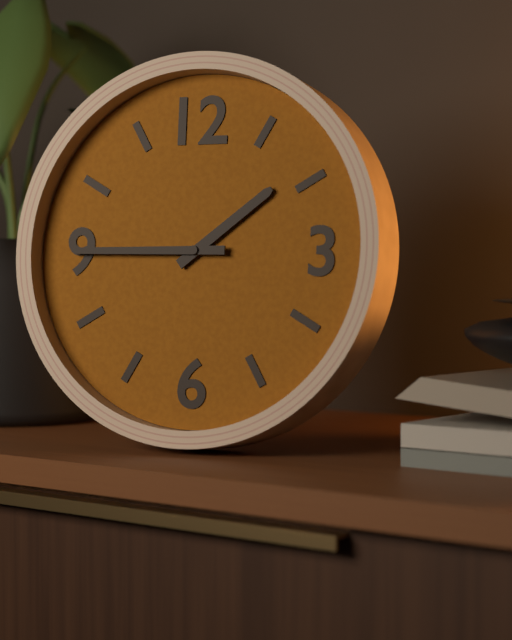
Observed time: 1h45
